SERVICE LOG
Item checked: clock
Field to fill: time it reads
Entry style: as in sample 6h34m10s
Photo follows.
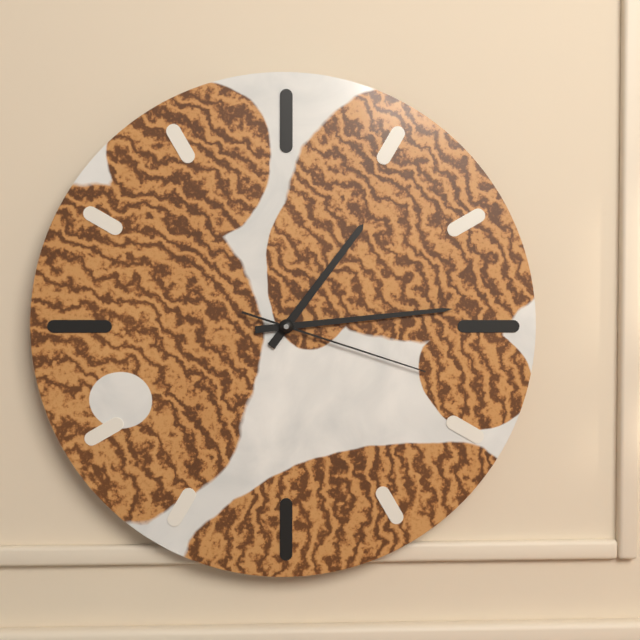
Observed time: 1h14m18s
